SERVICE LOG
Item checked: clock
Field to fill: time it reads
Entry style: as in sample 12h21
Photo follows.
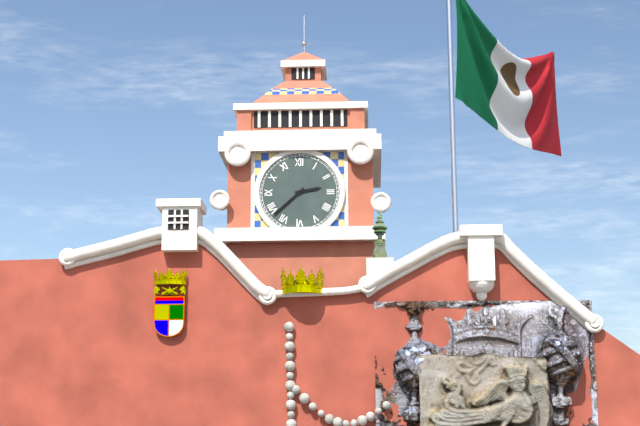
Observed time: 2h38
